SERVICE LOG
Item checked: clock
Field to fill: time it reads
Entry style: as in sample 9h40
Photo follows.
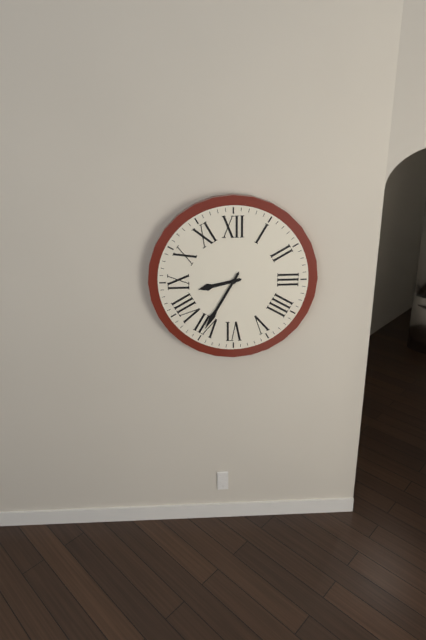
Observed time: 8h35
